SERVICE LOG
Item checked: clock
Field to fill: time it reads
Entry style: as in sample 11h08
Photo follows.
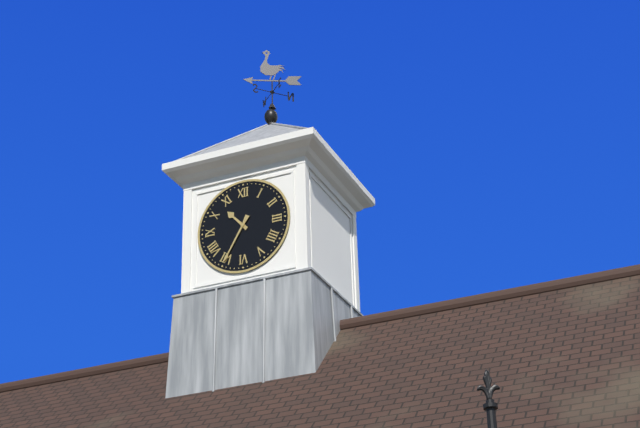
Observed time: 10h35
